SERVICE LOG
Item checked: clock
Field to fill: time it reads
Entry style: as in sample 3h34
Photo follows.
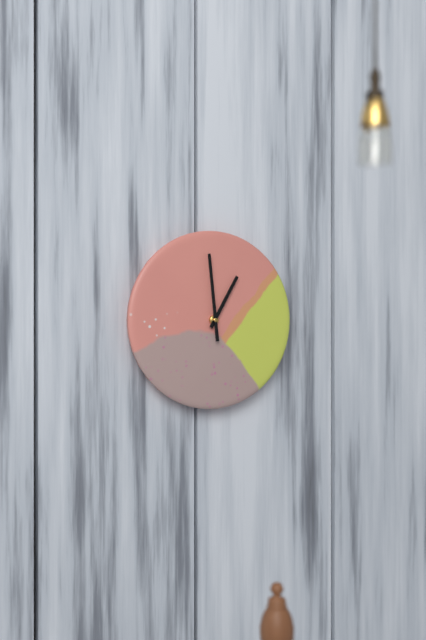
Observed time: 12h59
